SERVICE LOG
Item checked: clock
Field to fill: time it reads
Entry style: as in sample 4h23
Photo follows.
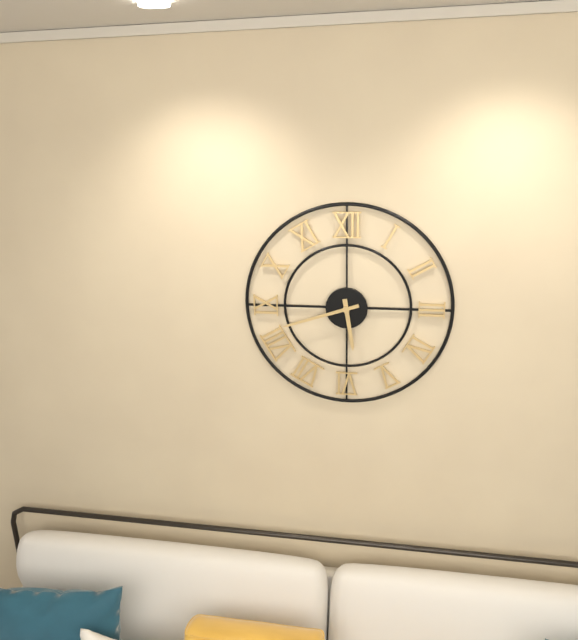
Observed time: 5h42
